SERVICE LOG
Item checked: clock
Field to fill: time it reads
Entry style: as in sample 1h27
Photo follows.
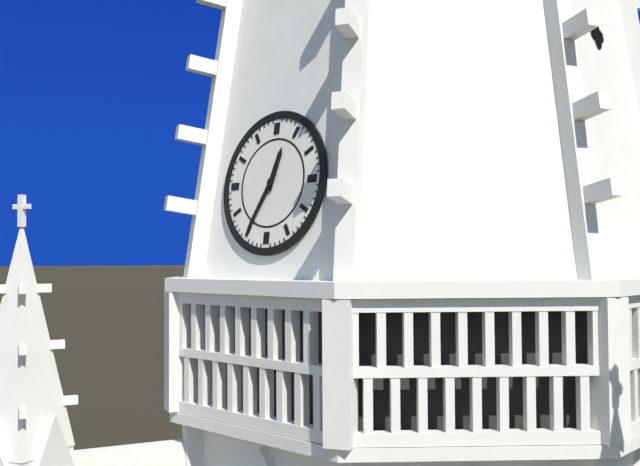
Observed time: 12h35
